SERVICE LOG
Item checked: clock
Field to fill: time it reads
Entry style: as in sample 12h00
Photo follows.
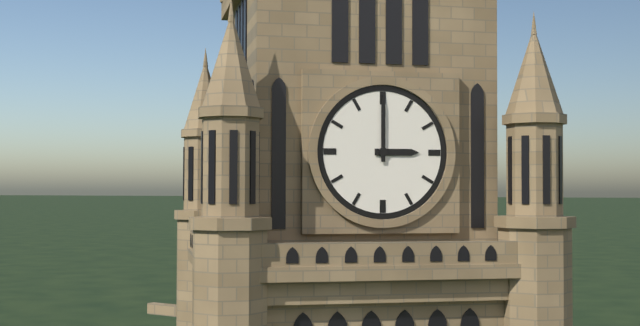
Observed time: 3h00
